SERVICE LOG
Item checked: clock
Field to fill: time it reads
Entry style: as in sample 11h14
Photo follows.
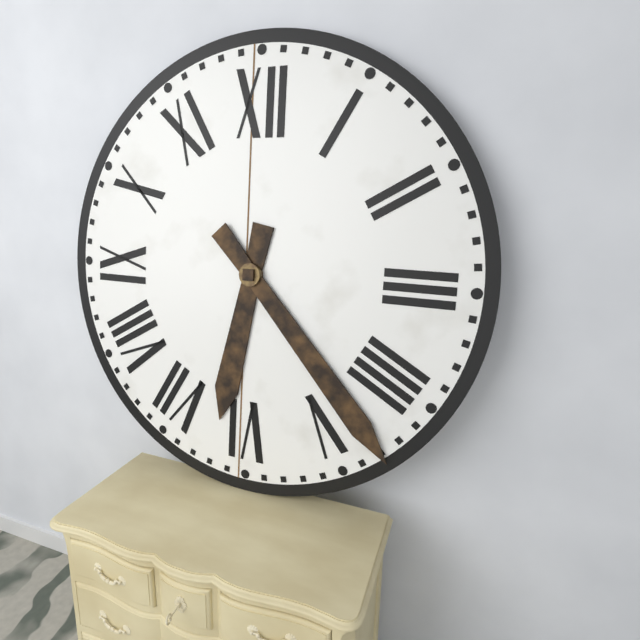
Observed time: 6h23
